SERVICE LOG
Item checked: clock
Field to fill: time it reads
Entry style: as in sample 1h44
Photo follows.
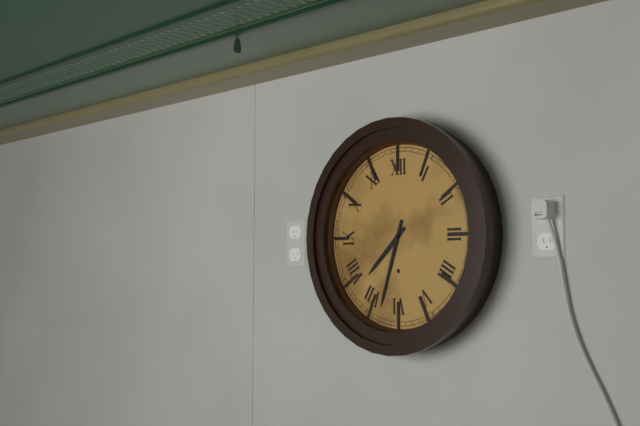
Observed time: 7h33
